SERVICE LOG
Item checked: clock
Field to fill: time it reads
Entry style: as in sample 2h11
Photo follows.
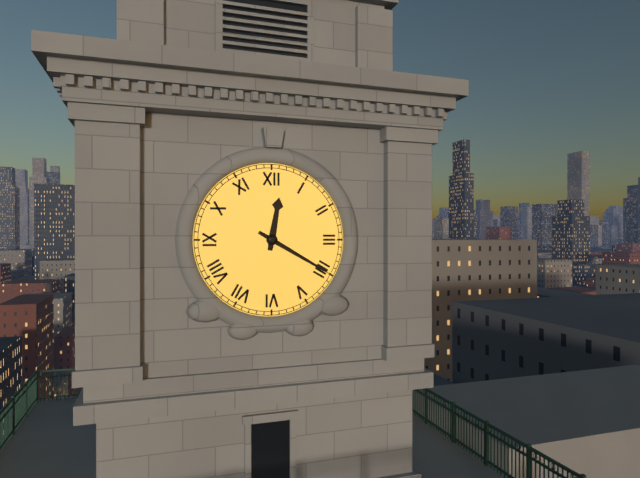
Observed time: 12h20
